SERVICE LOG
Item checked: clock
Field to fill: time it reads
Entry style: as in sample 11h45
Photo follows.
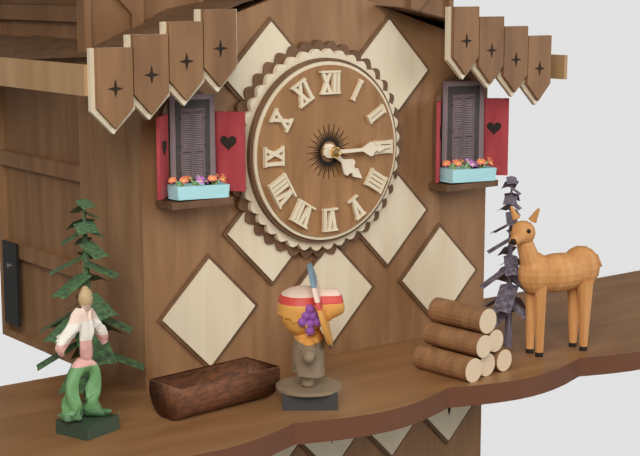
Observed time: 4h15
